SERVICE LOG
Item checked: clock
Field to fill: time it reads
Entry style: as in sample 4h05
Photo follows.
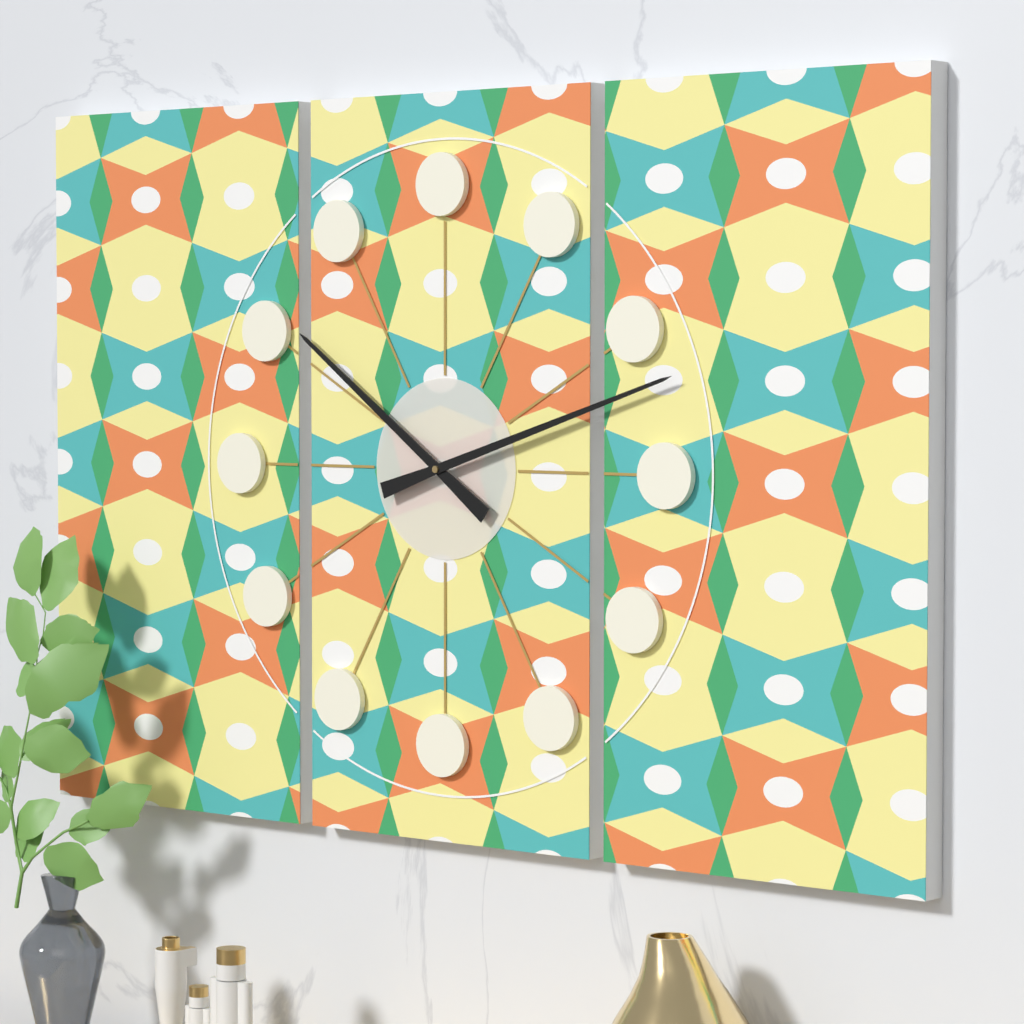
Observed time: 10h12
